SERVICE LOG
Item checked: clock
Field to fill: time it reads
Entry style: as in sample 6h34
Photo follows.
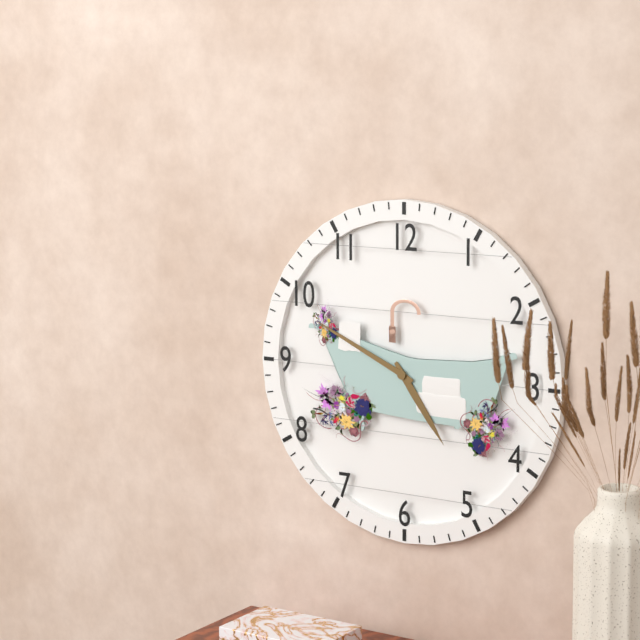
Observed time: 4h49
